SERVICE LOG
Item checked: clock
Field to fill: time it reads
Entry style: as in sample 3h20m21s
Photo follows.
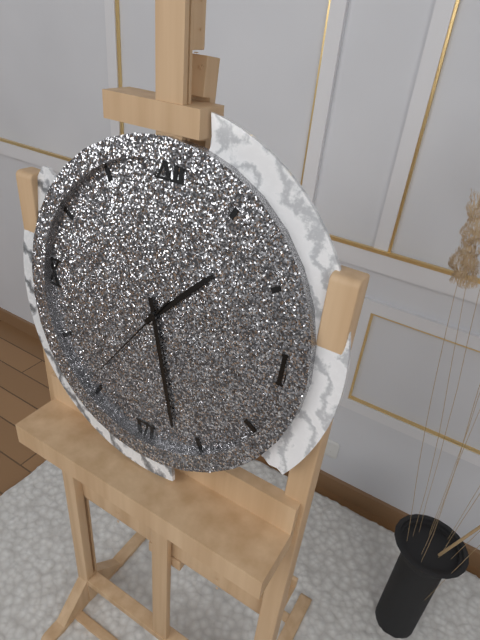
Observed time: 1h27m36s
